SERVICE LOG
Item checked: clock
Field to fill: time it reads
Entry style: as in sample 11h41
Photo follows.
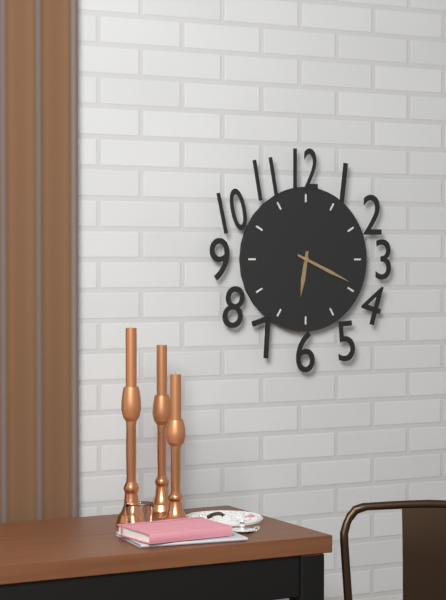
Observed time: 6h19
